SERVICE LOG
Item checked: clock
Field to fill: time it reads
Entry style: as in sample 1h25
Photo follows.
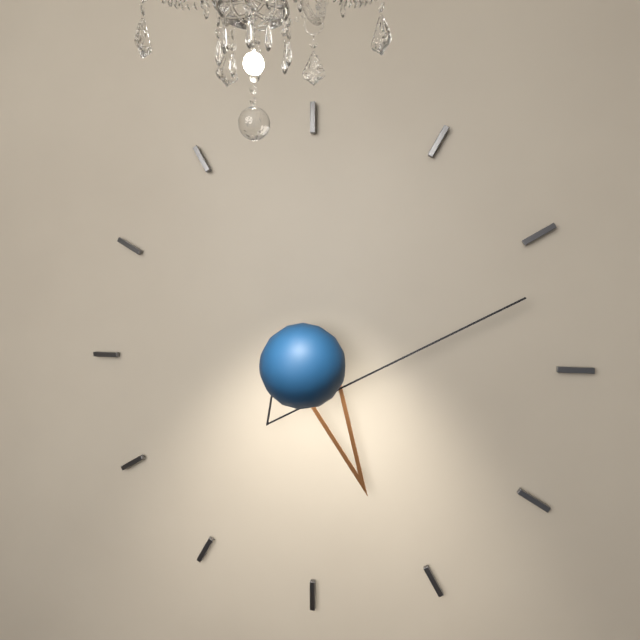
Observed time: 5h12
